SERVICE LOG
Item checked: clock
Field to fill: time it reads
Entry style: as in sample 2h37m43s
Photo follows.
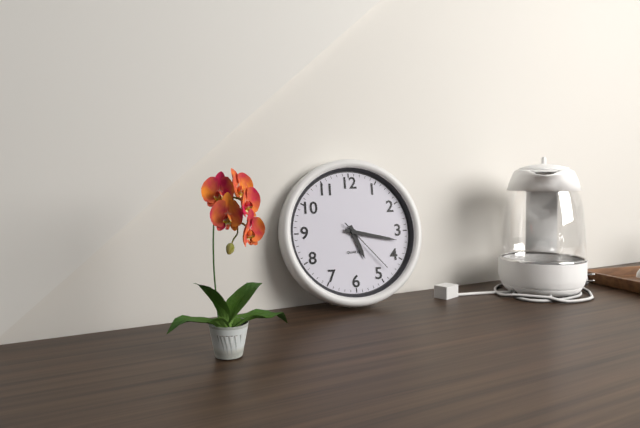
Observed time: 5h17m23s
